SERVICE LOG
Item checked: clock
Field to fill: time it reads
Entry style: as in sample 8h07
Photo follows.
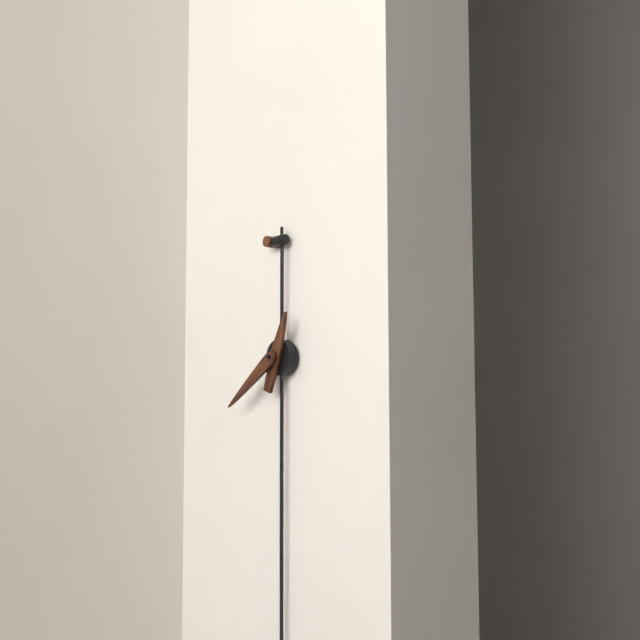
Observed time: 12h39
